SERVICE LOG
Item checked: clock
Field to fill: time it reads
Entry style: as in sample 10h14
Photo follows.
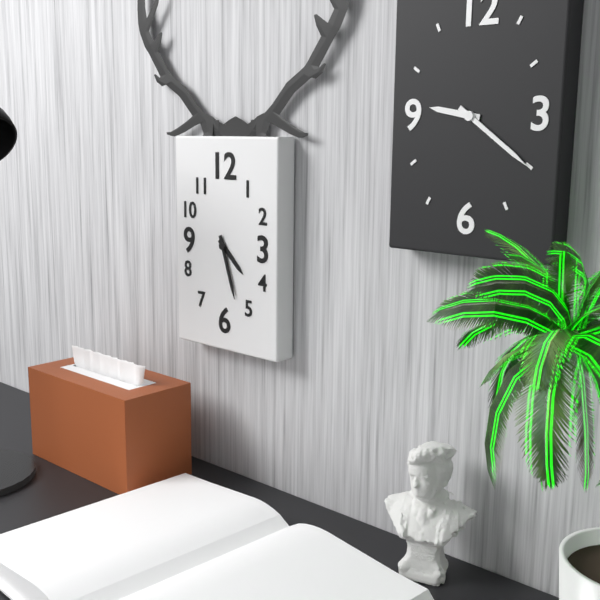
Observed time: 4h27
